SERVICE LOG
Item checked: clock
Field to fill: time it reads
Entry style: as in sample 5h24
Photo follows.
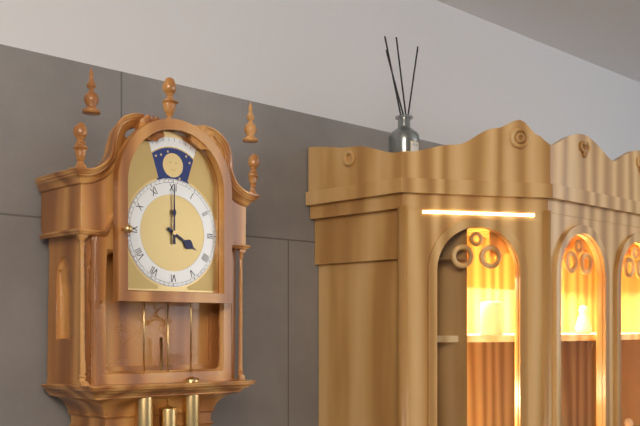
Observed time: 4h00
